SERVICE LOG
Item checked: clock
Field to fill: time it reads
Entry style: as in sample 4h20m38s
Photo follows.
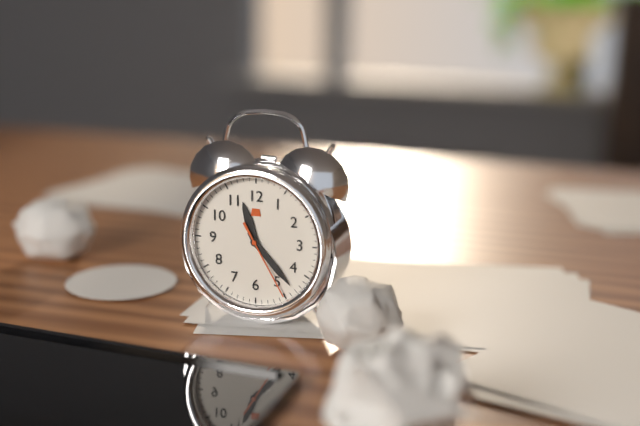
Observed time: 11h23m25s
